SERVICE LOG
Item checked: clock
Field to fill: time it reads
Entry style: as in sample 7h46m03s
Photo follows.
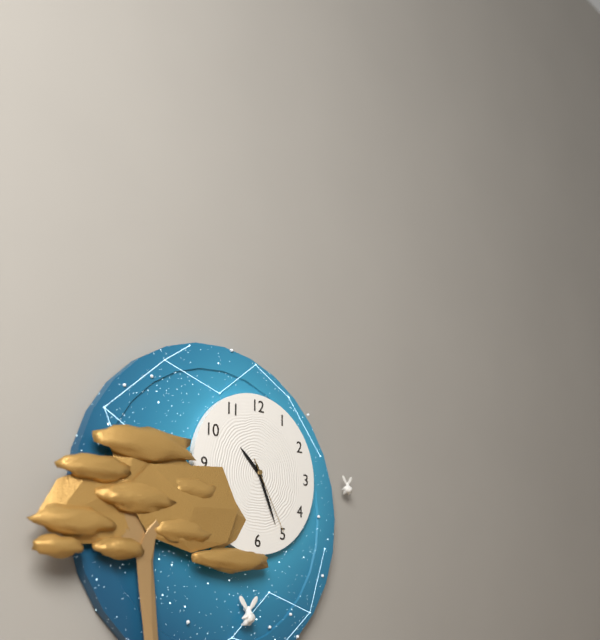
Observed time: 10h26m25s
